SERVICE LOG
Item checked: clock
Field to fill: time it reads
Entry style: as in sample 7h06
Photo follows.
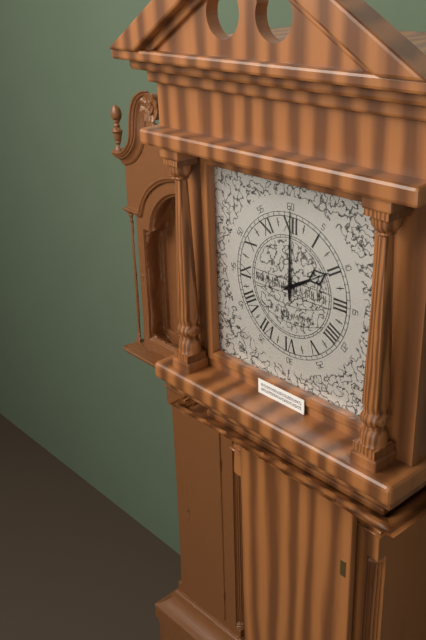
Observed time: 2h00
